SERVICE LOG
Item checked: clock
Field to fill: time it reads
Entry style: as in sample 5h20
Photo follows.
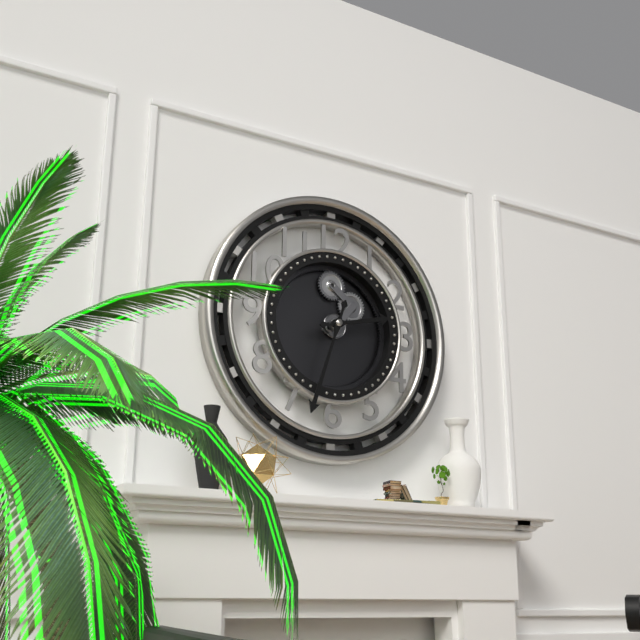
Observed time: 2h33
